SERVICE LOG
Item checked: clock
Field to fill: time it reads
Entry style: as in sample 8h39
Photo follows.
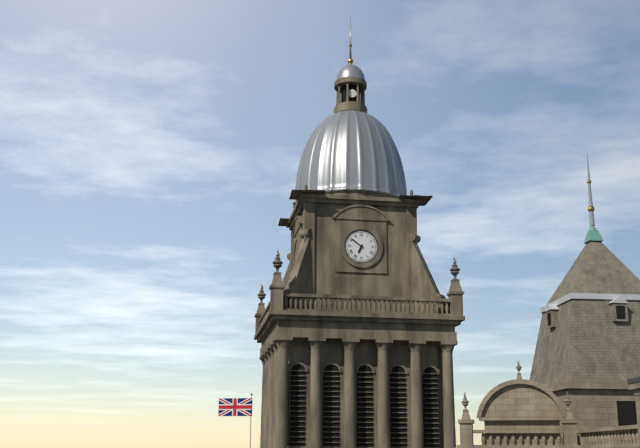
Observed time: 6h51
